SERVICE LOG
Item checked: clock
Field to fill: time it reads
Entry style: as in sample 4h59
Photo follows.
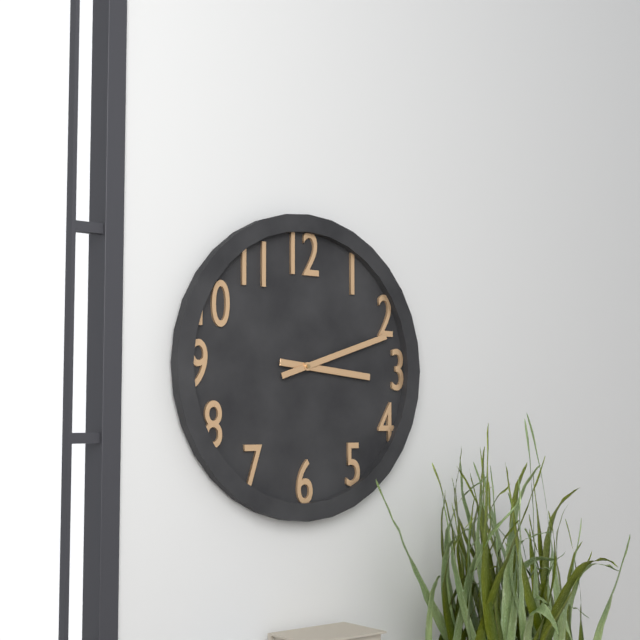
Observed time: 3h12
